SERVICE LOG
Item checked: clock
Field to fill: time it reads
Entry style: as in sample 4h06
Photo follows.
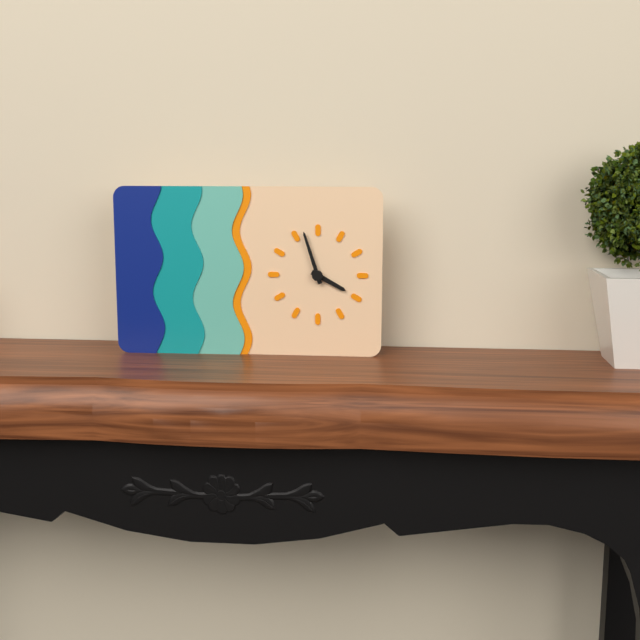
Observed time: 3h57
